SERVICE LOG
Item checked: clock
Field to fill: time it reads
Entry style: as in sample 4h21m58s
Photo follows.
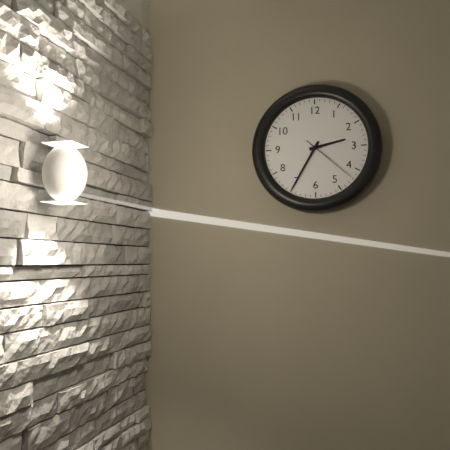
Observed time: 2h35m22s
